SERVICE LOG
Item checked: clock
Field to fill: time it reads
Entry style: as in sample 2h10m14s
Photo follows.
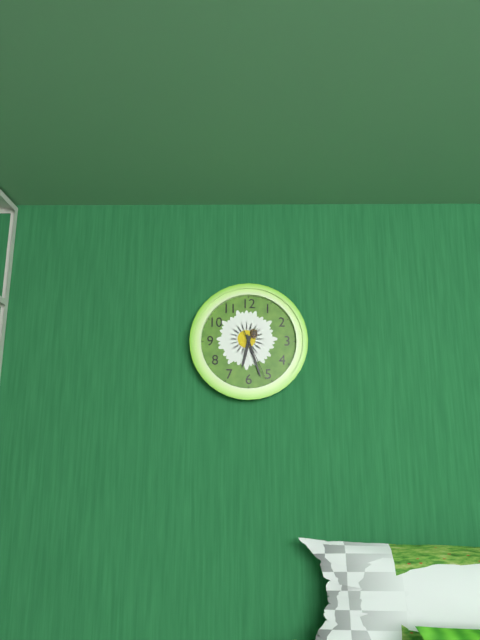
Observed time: 6h27m26s
